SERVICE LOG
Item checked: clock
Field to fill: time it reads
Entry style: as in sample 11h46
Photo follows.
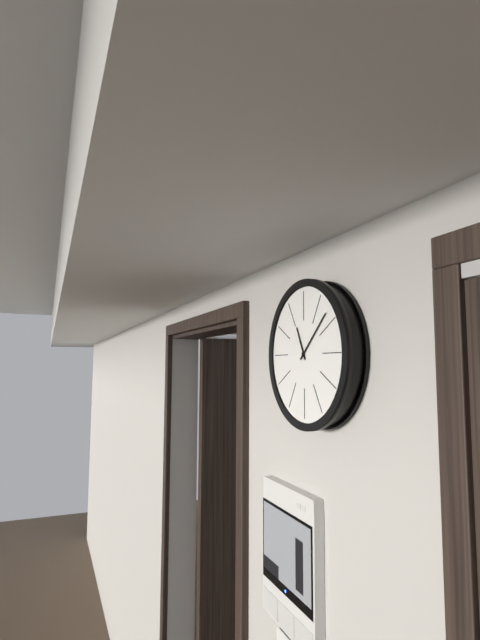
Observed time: 11h08
